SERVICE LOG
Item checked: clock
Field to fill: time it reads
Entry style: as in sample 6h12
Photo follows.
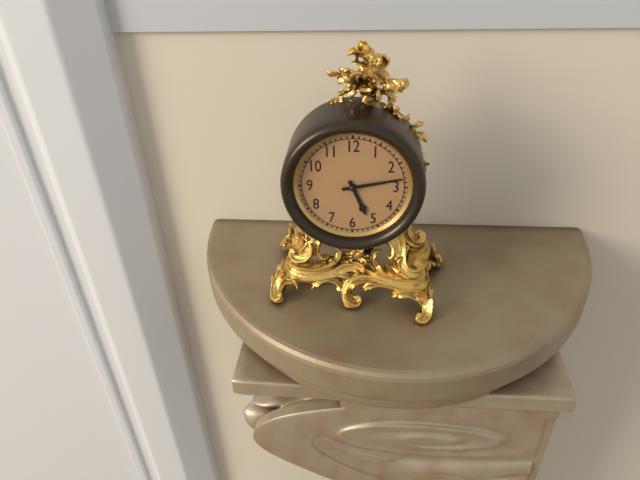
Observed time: 5h13
